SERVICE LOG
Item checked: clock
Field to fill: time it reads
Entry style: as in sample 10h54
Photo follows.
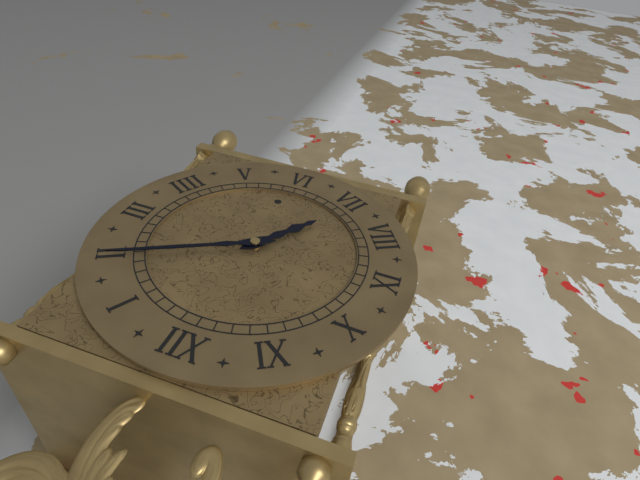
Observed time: 7h10
